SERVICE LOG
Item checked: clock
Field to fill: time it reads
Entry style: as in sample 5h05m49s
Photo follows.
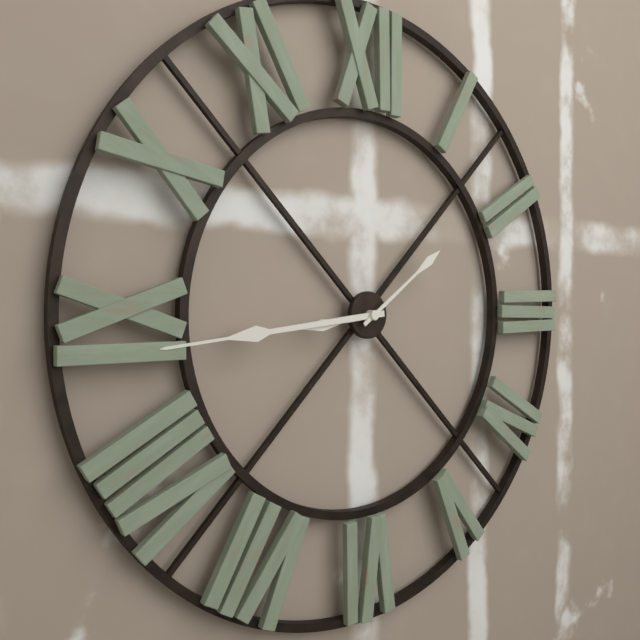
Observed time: 8h44m09s
